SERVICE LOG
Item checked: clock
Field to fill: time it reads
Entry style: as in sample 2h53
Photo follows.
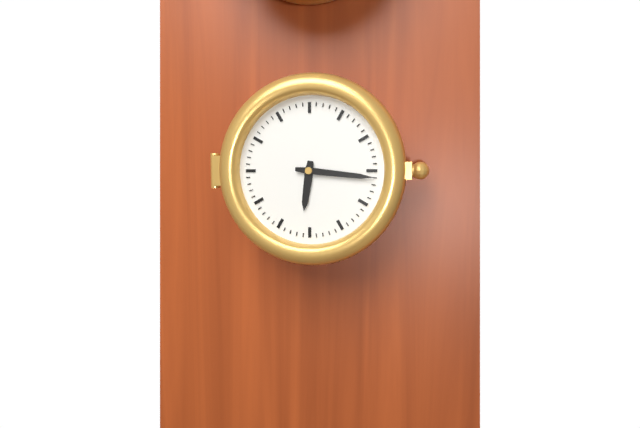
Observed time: 6h16
